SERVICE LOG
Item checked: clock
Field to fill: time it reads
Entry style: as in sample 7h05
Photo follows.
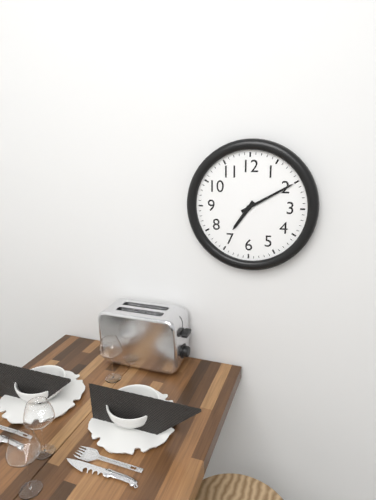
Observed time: 7h10
